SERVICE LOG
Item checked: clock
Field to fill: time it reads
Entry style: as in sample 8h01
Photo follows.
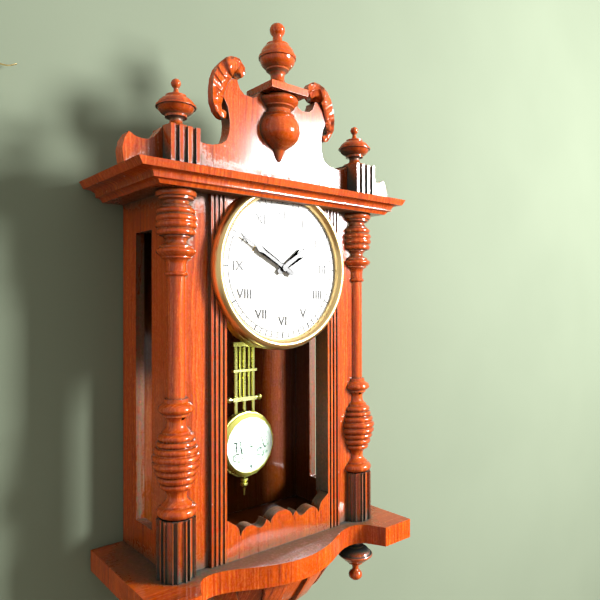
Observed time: 1h50
